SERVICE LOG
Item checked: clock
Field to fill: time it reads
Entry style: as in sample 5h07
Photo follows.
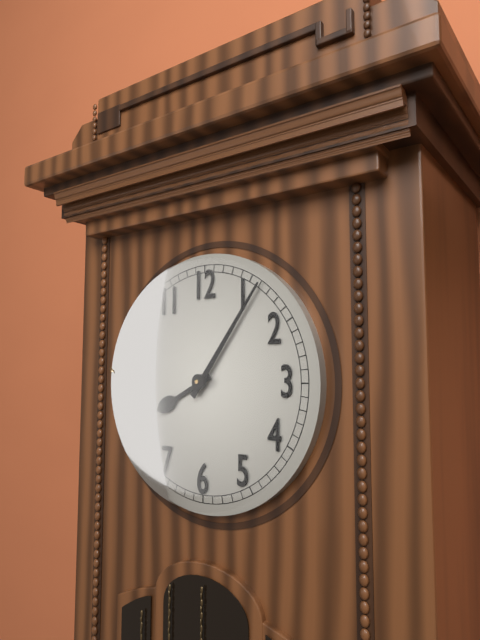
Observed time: 8h06
